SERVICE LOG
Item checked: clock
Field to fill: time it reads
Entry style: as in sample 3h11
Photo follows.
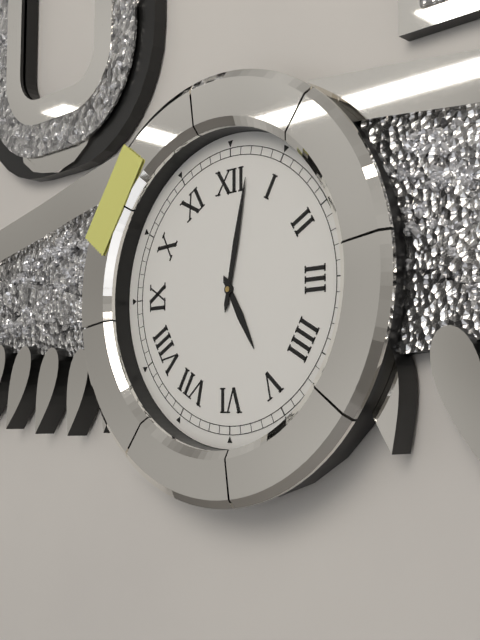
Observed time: 5h02
